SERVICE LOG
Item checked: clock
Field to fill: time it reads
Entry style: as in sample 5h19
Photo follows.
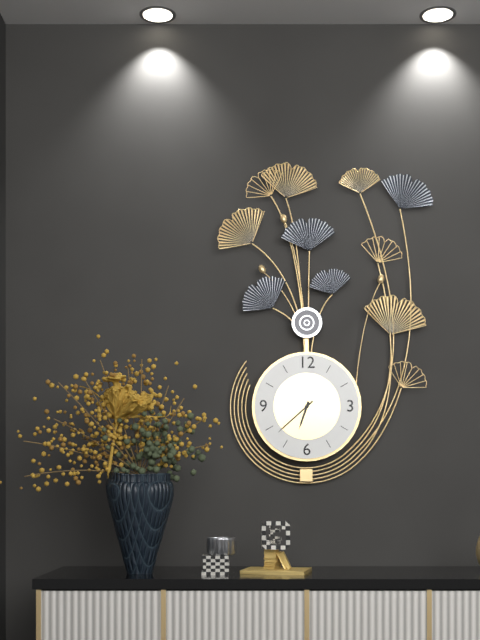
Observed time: 6h38
